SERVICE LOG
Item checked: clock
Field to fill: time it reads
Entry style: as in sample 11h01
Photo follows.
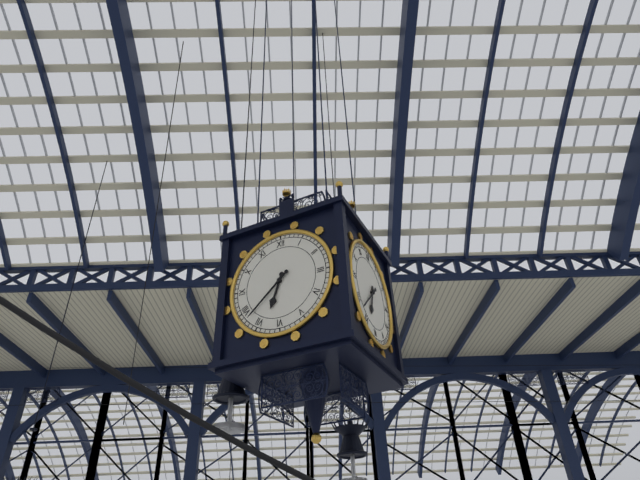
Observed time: 6h38
